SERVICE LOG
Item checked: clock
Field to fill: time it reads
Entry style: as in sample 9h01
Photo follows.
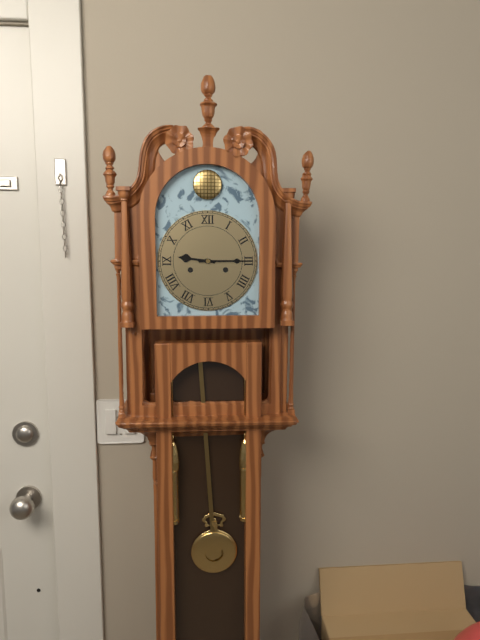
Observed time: 9h15
